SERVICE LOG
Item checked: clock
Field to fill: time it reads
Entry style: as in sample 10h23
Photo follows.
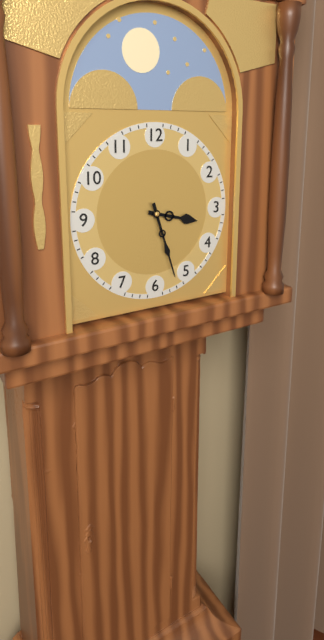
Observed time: 3h27
